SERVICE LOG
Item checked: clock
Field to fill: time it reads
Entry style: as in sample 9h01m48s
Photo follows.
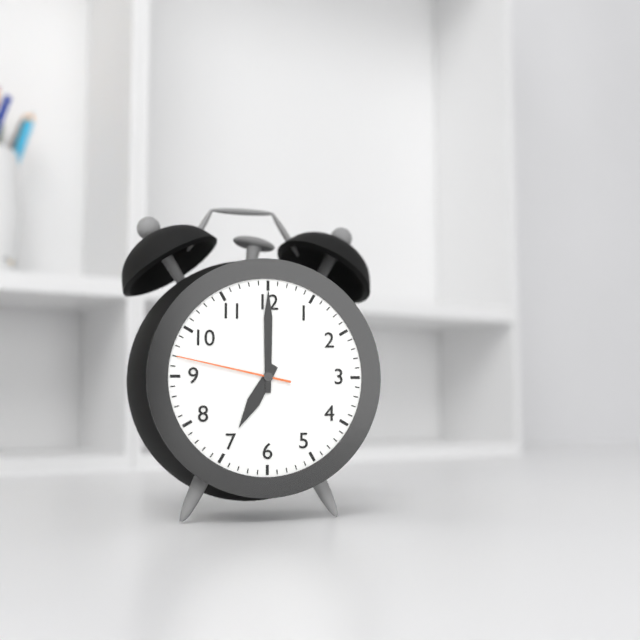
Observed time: 7h00m47s
